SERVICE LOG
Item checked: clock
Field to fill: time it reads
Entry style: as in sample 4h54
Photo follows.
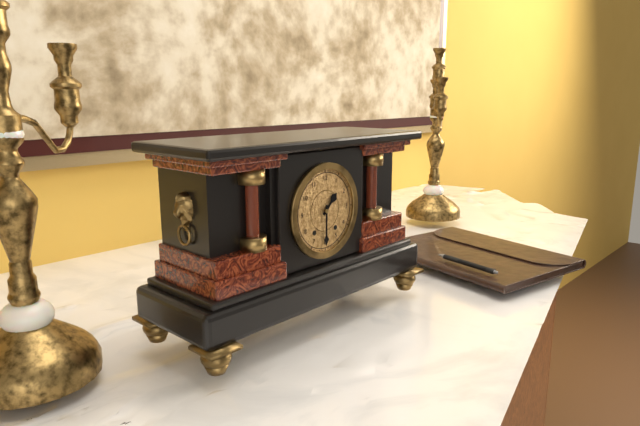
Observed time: 1h30
